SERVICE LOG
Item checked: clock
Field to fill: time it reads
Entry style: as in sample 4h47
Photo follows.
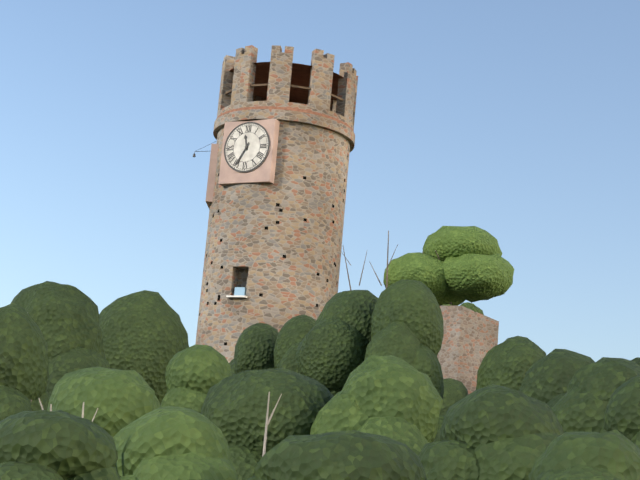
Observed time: 11h35
